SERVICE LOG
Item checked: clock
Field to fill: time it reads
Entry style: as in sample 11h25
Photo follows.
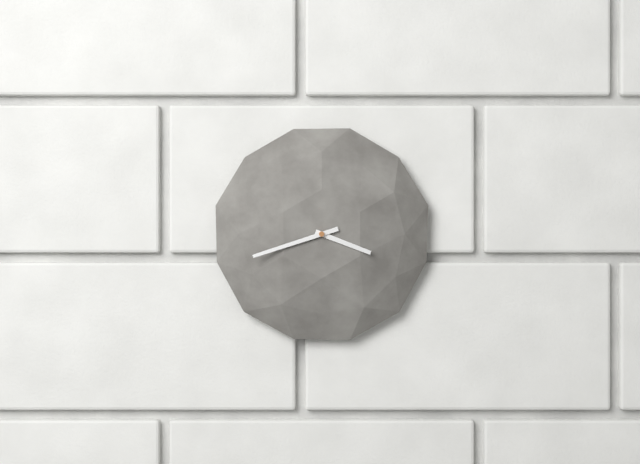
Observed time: 3h42
